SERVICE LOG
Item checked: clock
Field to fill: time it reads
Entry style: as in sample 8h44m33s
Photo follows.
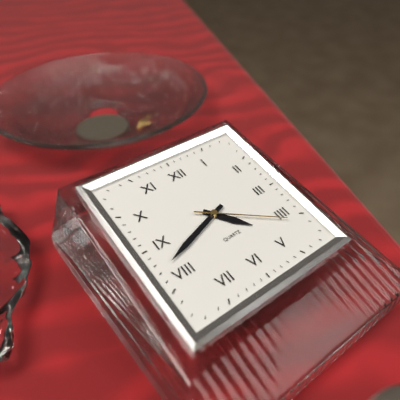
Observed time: 4h42m21s
